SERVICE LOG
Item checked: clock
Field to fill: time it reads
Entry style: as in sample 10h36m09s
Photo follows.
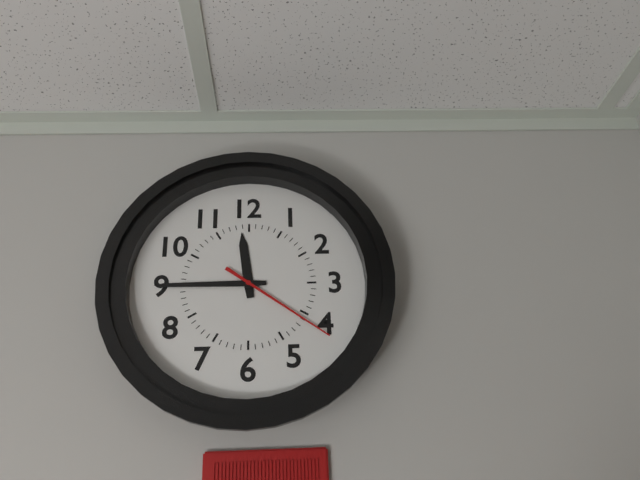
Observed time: 11h45m21s
